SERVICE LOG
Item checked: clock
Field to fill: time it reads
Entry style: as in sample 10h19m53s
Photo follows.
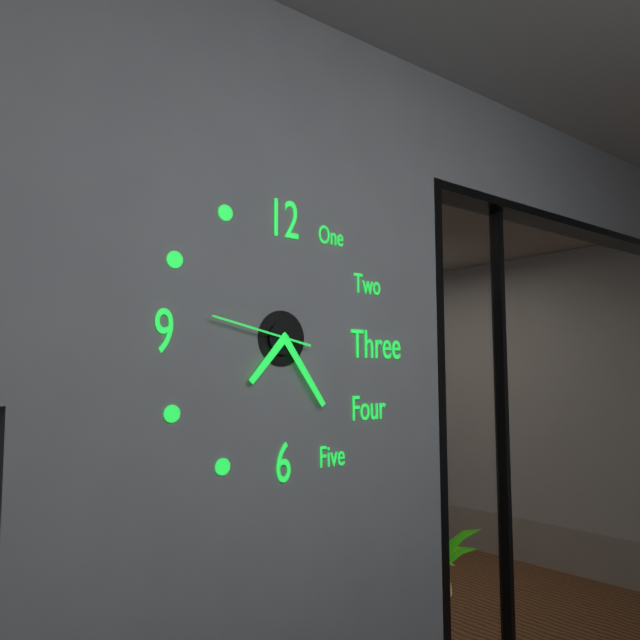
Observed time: 7h24m47s
